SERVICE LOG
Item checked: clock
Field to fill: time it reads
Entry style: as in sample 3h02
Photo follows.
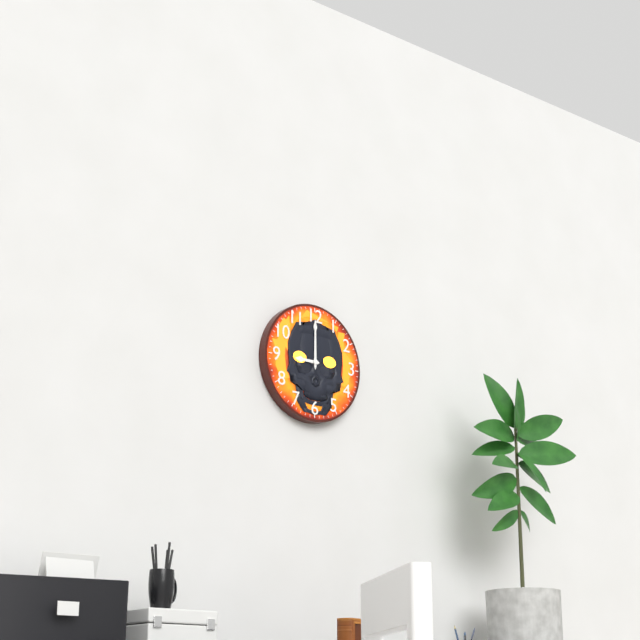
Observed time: 9h00
